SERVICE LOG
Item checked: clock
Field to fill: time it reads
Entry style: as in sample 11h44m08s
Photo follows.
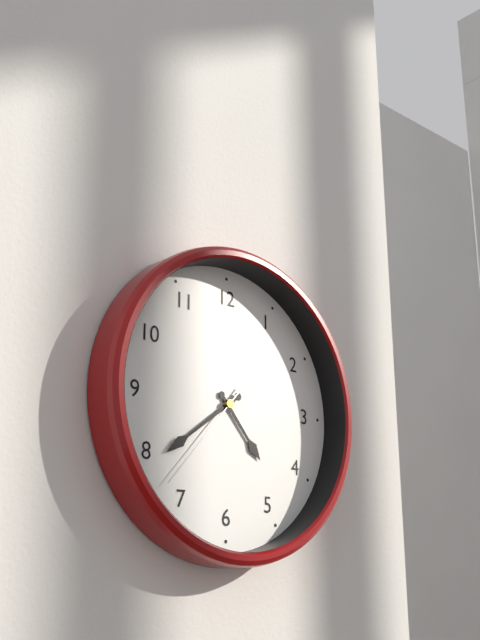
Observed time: 4h39m37s
